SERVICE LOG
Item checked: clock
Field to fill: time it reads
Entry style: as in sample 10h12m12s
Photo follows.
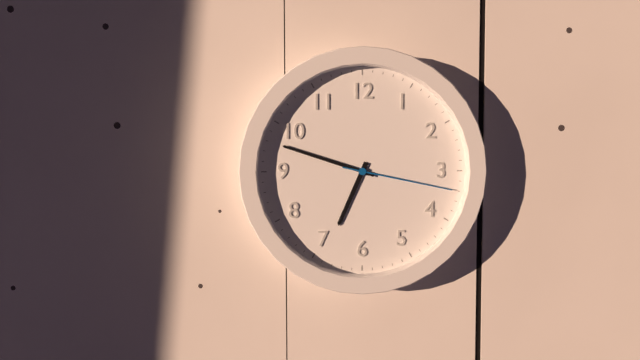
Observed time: 6h48m17s
